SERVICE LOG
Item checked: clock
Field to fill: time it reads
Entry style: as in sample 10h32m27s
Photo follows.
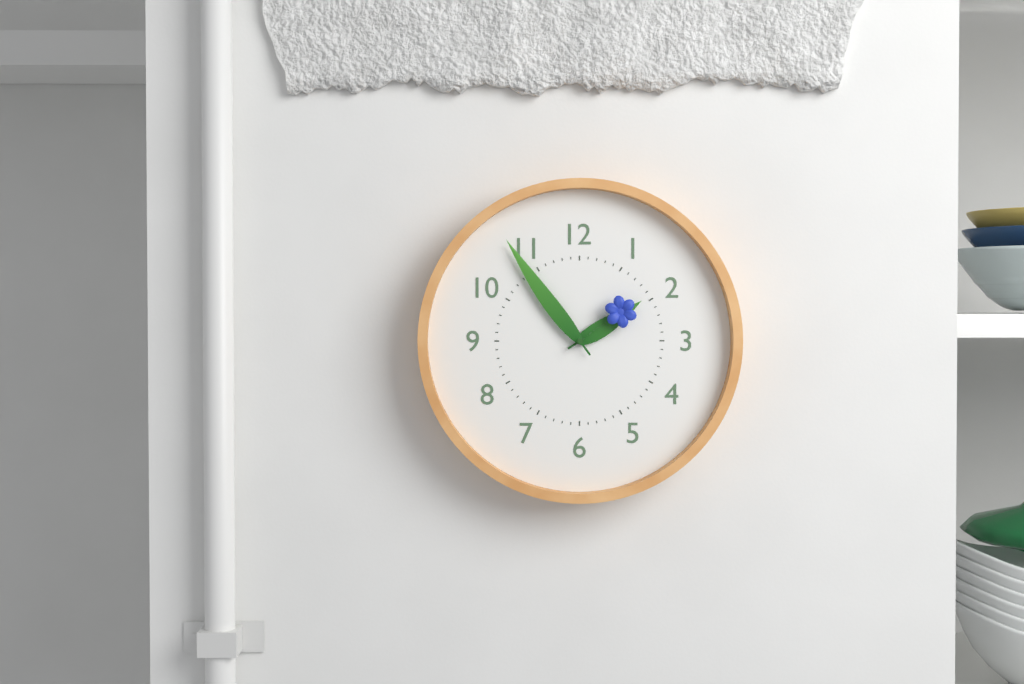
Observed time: 1h54m09s
